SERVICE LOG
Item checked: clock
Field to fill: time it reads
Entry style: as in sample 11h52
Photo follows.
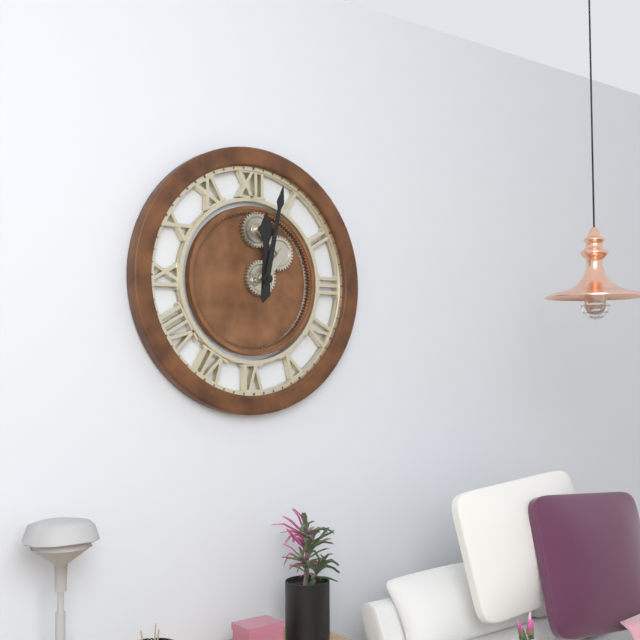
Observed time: 12h02
